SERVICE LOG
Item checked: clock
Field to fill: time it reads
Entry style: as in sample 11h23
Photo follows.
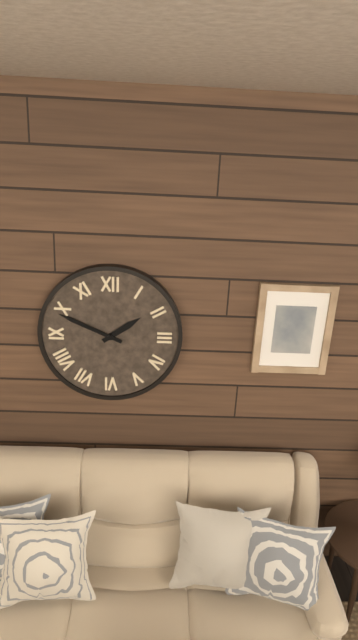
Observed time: 1h49
